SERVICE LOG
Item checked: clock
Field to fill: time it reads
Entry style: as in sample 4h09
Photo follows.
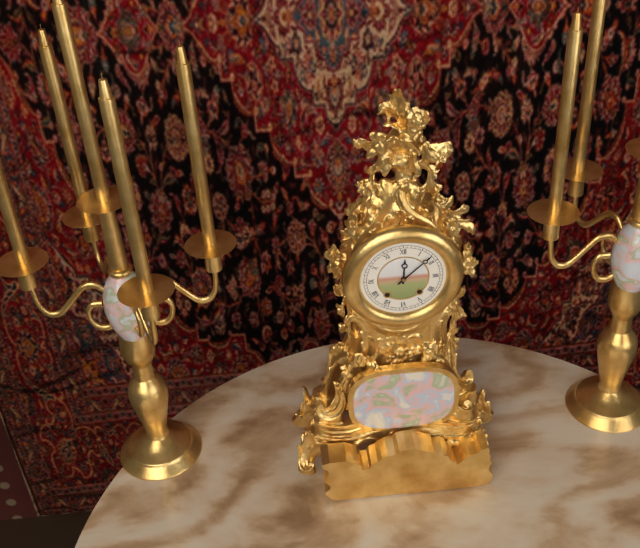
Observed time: 12h08
